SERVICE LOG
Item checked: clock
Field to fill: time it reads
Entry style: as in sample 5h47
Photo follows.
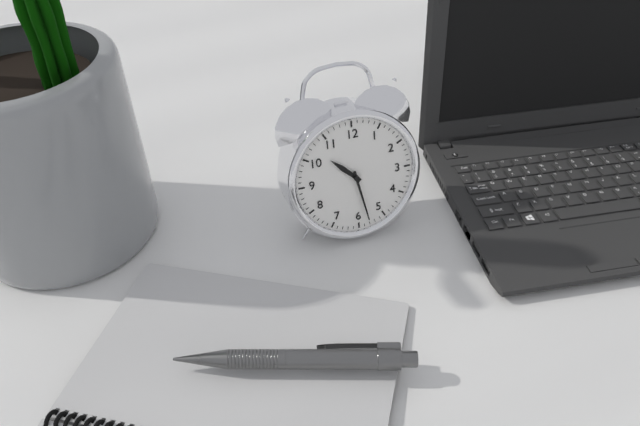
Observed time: 10h28
